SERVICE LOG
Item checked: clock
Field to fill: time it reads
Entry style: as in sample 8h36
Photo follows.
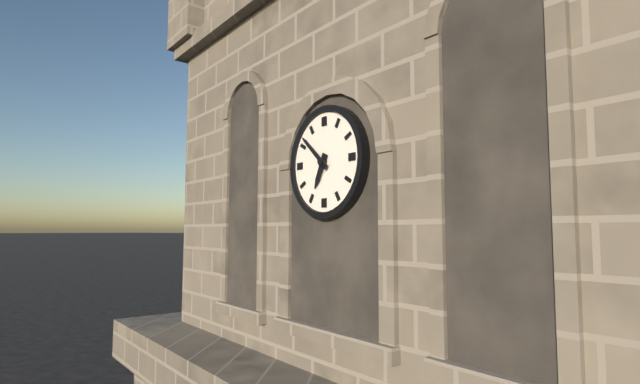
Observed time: 6h52
